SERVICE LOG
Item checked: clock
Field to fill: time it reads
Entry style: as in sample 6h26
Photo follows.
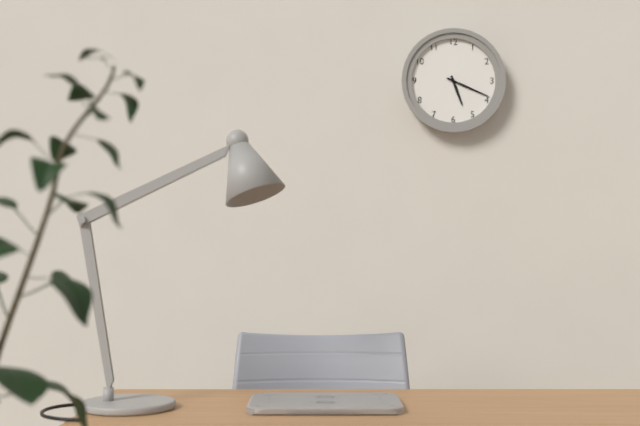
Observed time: 5h19
